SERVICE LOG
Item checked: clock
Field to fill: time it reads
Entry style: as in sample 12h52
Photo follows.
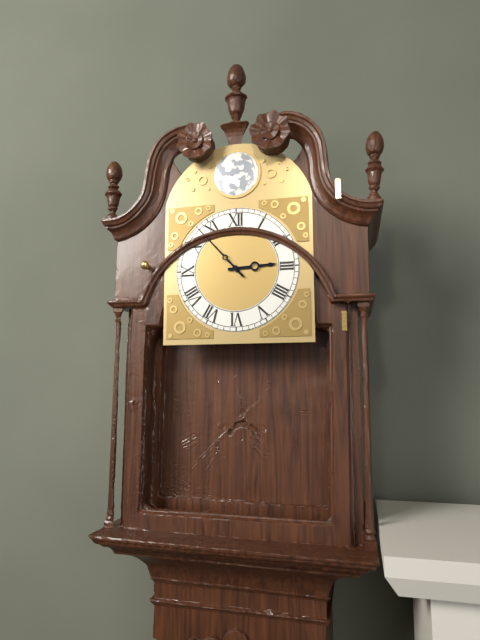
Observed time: 2h53
